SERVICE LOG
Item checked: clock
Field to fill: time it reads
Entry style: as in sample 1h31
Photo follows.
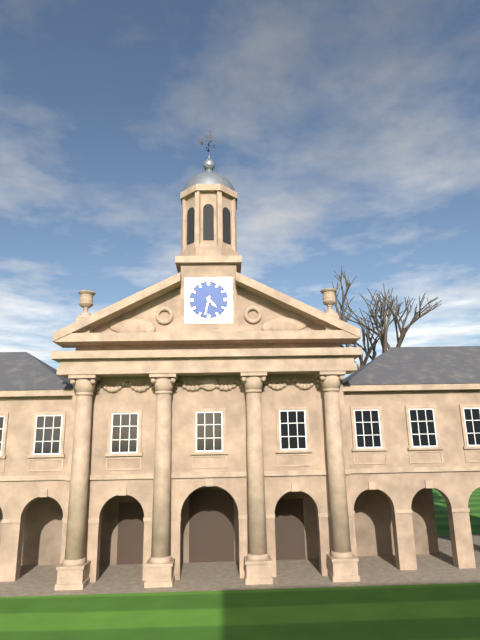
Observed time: 4h32
